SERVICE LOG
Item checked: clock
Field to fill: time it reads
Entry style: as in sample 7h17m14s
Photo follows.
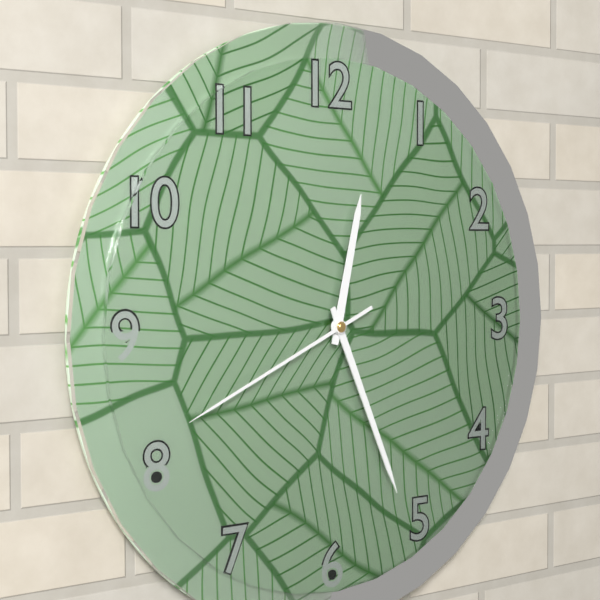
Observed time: 12h26m41s
